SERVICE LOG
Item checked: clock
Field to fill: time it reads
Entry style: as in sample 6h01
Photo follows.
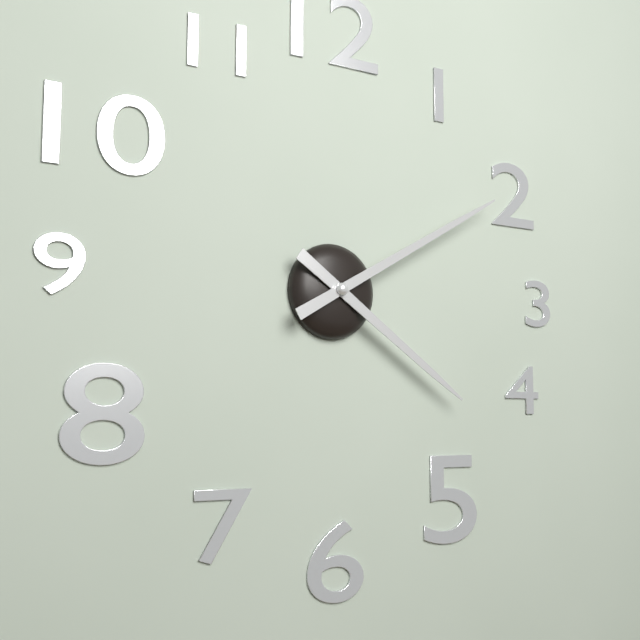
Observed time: 4h10
